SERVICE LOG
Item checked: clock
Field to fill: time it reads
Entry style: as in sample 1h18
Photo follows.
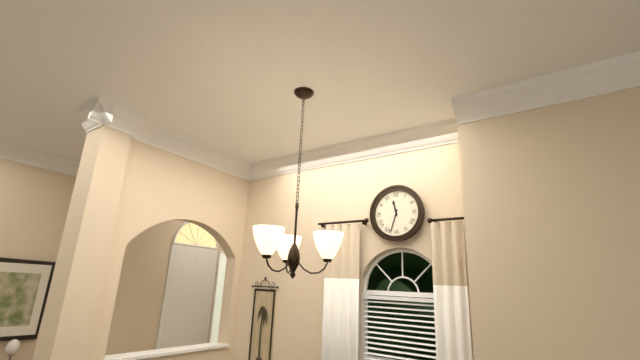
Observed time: 11h33
